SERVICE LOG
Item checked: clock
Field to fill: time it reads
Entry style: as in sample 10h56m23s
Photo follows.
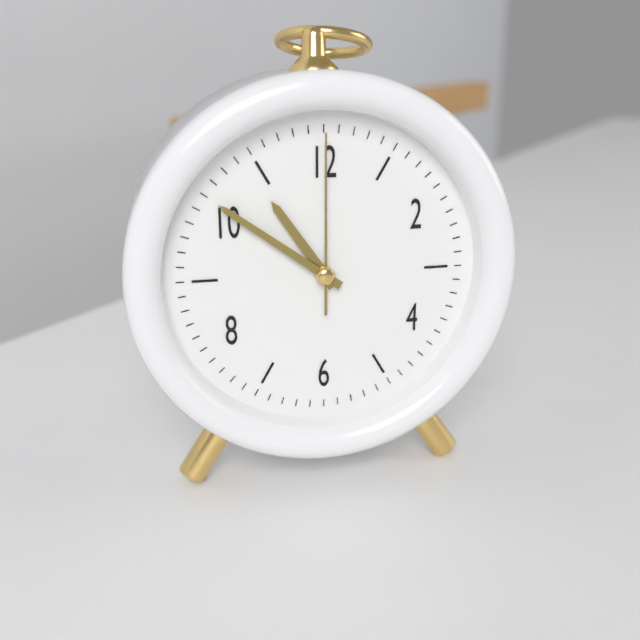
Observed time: 10h51m00s
